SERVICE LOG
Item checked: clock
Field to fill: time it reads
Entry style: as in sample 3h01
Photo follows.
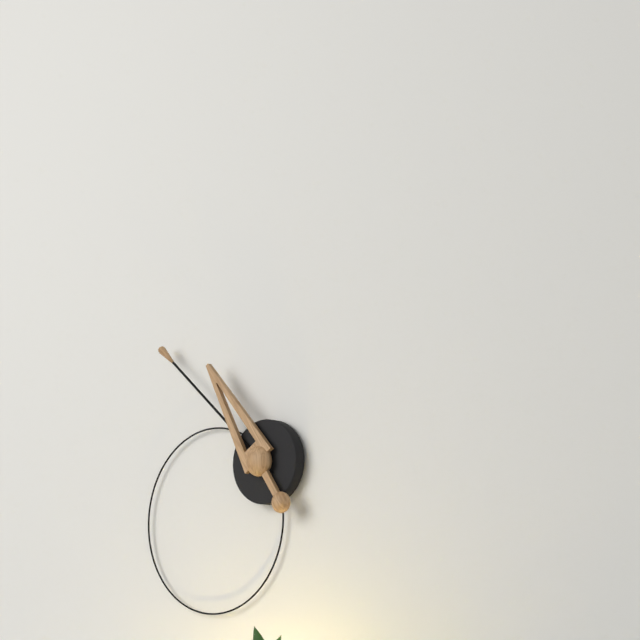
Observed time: 10h52
